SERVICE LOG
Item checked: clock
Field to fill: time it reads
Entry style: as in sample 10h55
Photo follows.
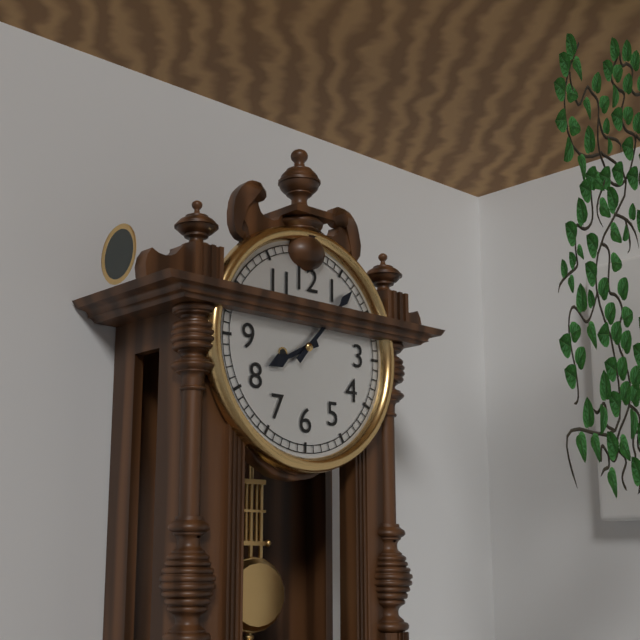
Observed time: 8h07
